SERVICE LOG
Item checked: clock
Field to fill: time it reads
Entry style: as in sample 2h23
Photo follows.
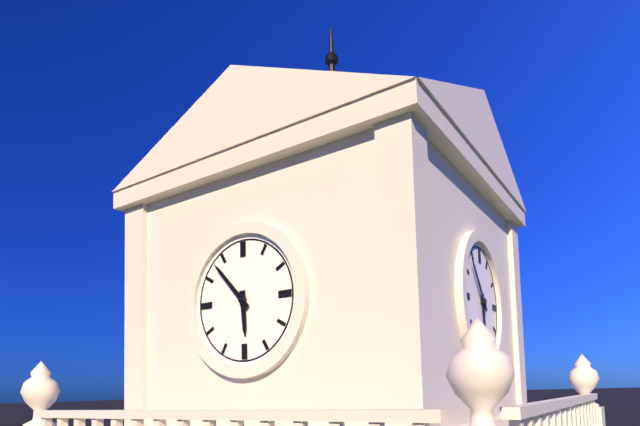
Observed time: 5h53
